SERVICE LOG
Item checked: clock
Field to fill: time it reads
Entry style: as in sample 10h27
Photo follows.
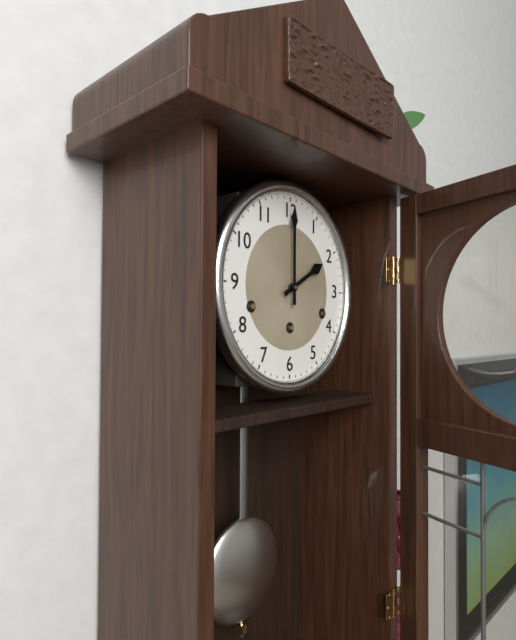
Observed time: 2h00
